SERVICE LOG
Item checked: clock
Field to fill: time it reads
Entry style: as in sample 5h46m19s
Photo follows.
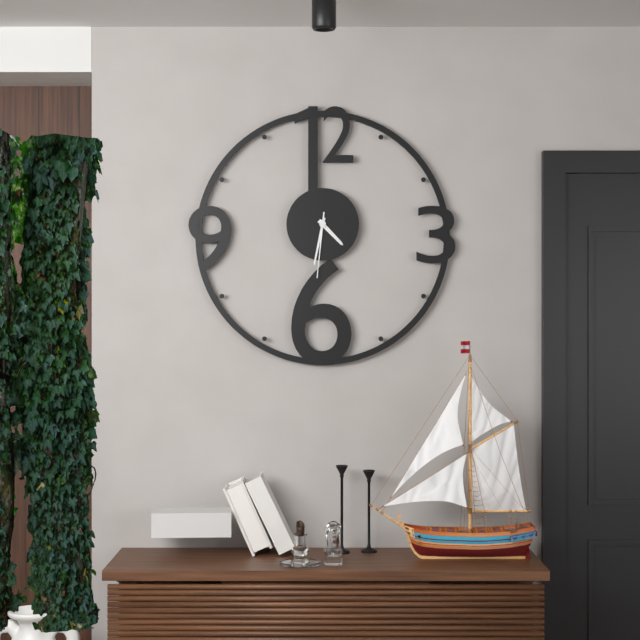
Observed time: 4h32m31s
